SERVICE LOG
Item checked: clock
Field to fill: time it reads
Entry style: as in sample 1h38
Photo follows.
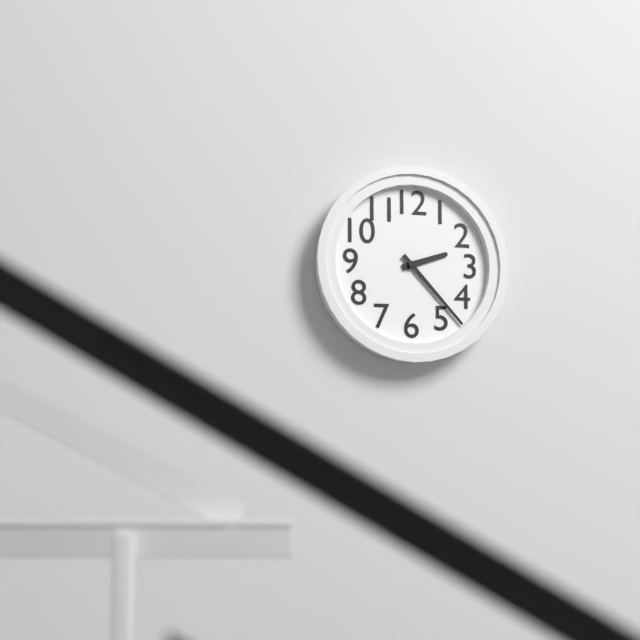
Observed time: 2h23
